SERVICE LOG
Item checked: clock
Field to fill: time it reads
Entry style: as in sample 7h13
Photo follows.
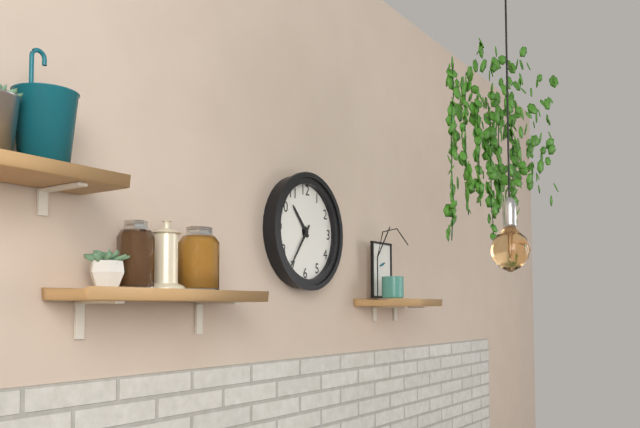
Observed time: 10h36
